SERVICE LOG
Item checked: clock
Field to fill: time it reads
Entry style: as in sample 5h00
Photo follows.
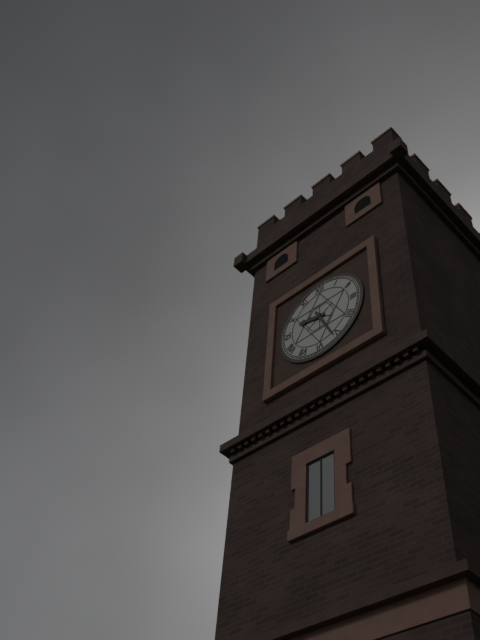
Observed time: 9h26
